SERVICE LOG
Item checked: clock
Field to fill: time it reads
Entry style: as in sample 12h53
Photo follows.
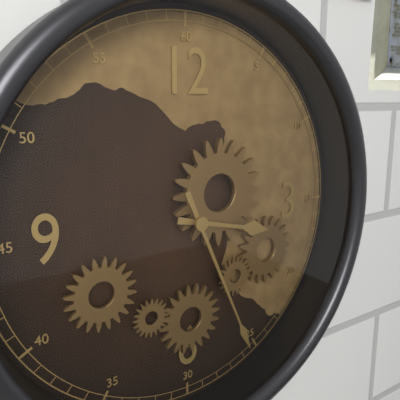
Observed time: 3h26
